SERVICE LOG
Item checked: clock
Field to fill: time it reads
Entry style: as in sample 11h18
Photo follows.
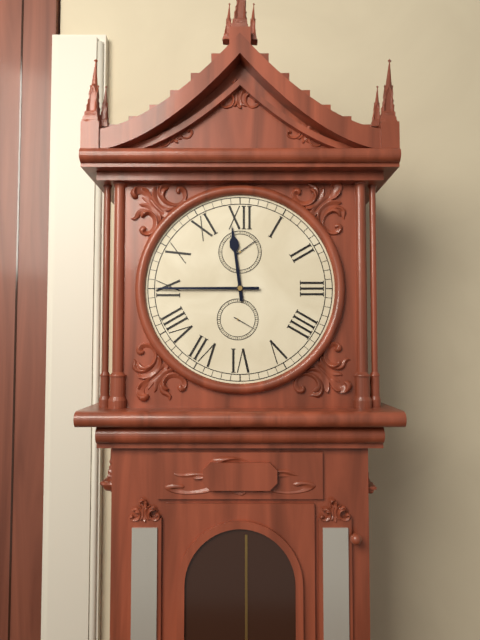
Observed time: 11h45
